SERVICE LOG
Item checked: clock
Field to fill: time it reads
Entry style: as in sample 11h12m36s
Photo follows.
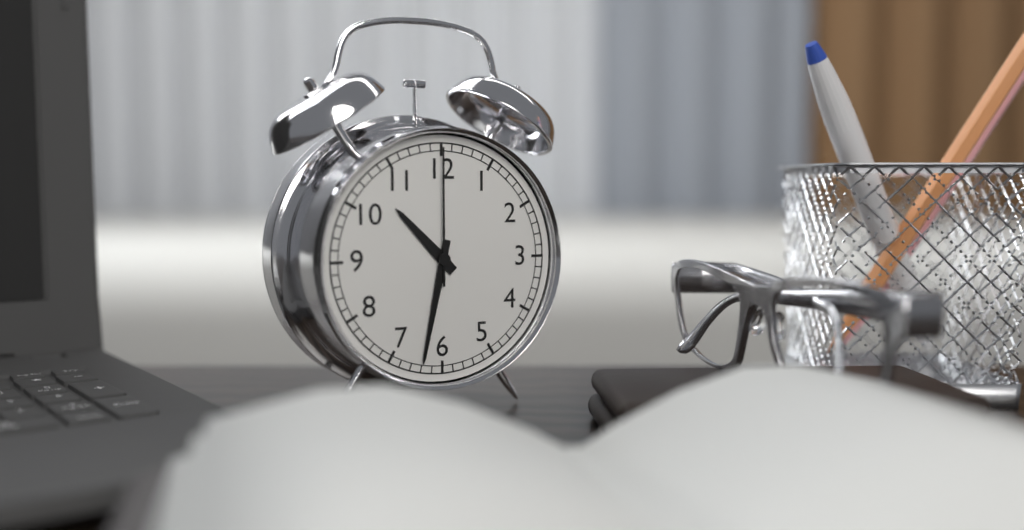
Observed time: 10h32m00s
